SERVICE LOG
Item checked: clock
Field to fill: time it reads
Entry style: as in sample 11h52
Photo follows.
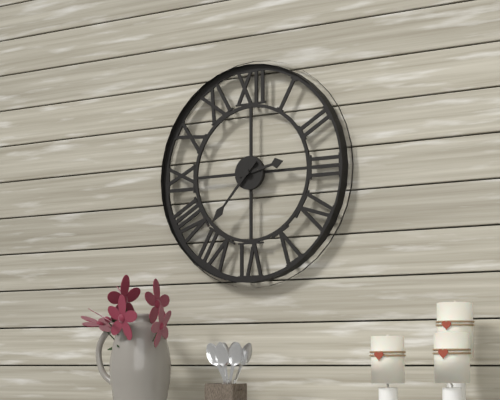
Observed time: 2h37
